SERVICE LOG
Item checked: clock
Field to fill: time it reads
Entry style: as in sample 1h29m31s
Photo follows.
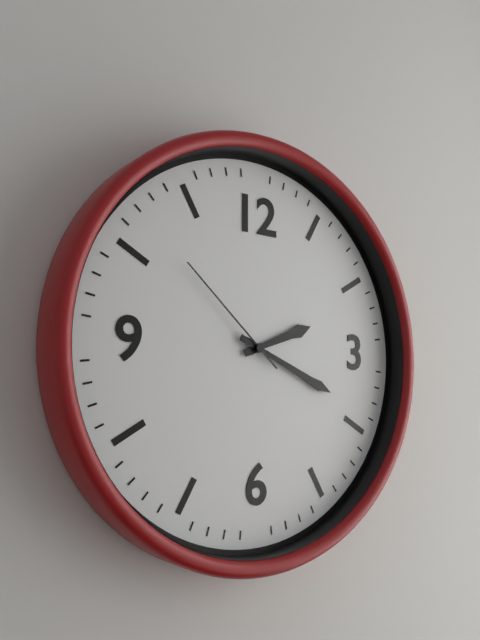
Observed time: 2h19m52s
